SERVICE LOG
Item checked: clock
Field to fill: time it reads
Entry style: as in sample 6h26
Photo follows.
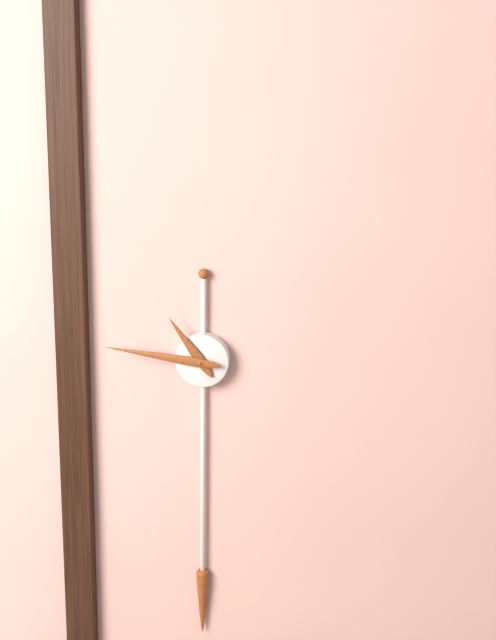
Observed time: 10h46
